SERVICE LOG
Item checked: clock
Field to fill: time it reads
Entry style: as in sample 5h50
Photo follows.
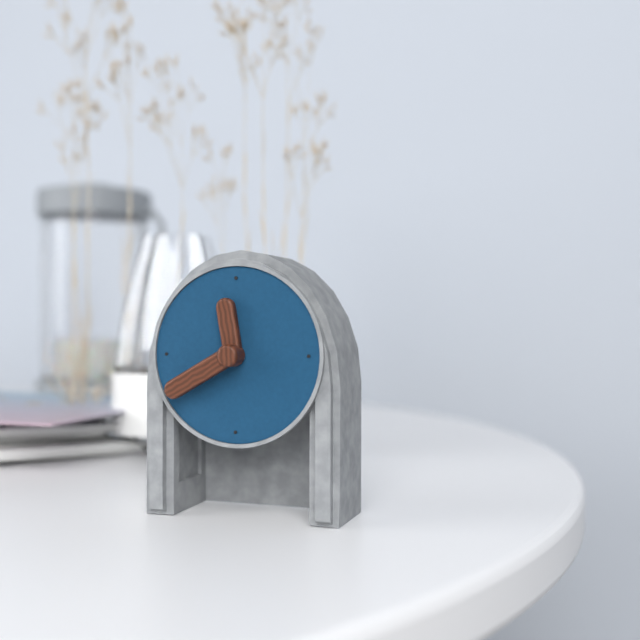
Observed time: 11h40
